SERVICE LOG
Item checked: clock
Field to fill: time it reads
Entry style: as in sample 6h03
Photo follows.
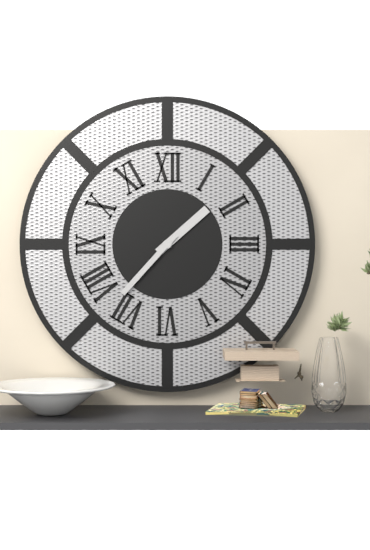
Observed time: 1h37
